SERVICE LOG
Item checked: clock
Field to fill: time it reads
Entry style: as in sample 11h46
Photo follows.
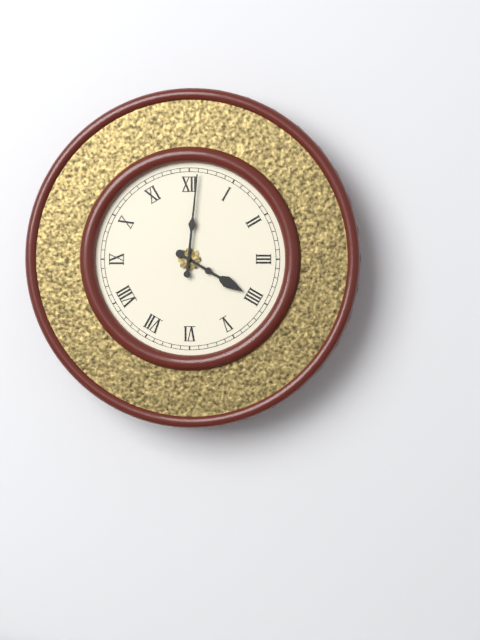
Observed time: 4h01
